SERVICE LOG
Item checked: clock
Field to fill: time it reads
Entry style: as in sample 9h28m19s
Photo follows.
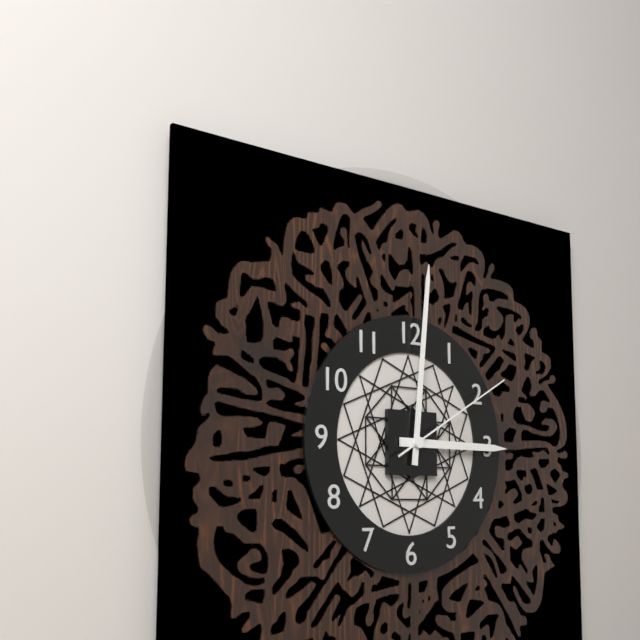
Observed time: 3h01m10s
